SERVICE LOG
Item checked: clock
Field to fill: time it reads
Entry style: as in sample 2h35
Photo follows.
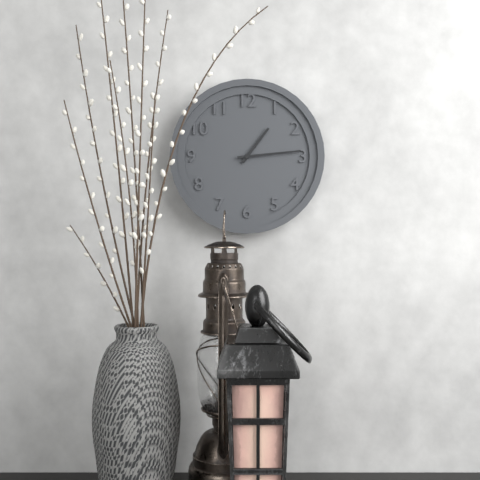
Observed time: 1h14
